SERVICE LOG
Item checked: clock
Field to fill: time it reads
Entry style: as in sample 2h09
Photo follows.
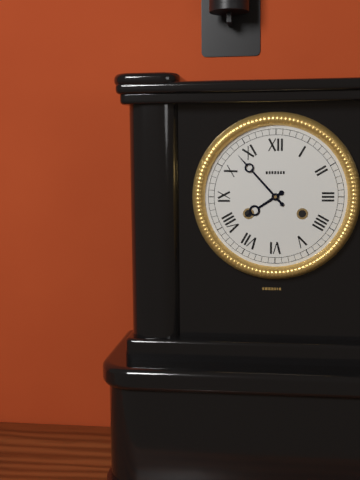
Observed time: 7h53
